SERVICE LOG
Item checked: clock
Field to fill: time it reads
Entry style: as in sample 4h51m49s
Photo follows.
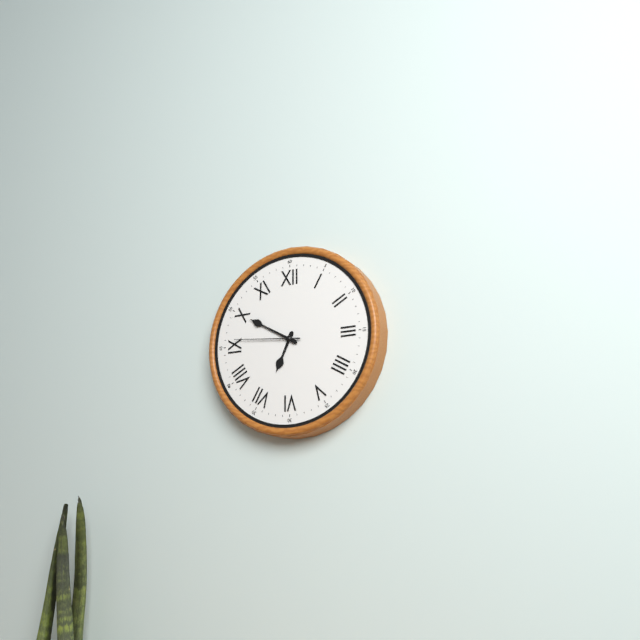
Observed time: 6h50m46s
